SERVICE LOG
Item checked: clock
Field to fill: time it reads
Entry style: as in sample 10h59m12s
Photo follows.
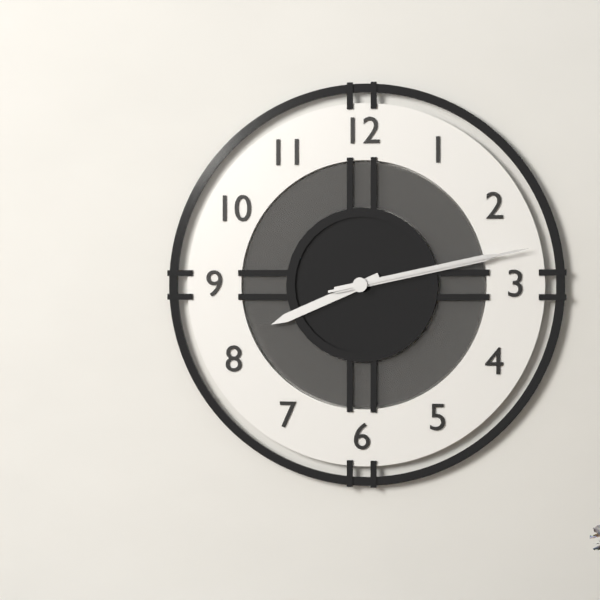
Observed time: 8h13m13s
